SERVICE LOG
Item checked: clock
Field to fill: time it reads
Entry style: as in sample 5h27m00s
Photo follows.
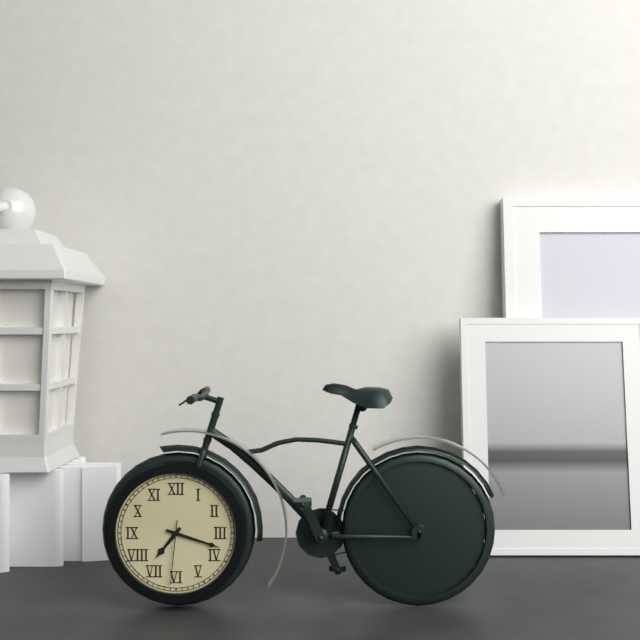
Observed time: 7h18m31s
